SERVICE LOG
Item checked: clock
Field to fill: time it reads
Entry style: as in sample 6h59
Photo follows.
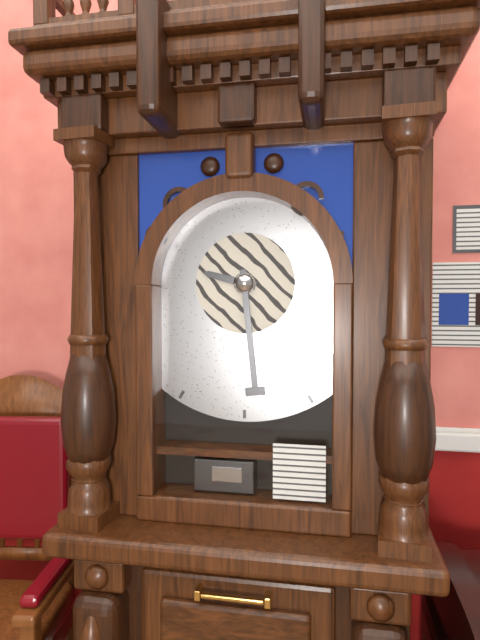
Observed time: 9h29
